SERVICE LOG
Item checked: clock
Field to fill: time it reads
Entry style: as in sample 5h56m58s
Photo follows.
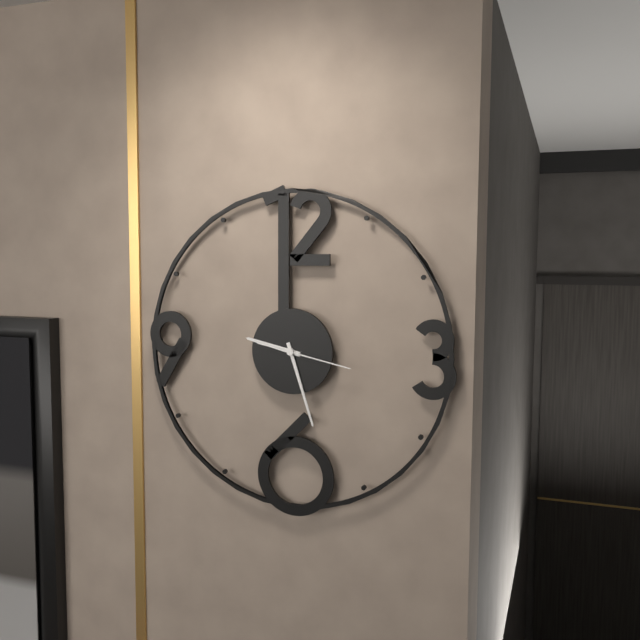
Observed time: 9h27m17s
